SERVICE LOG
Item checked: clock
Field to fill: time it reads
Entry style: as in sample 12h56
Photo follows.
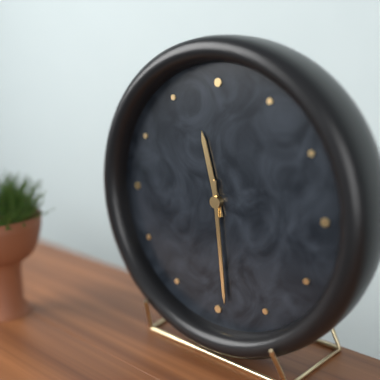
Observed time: 11h29
